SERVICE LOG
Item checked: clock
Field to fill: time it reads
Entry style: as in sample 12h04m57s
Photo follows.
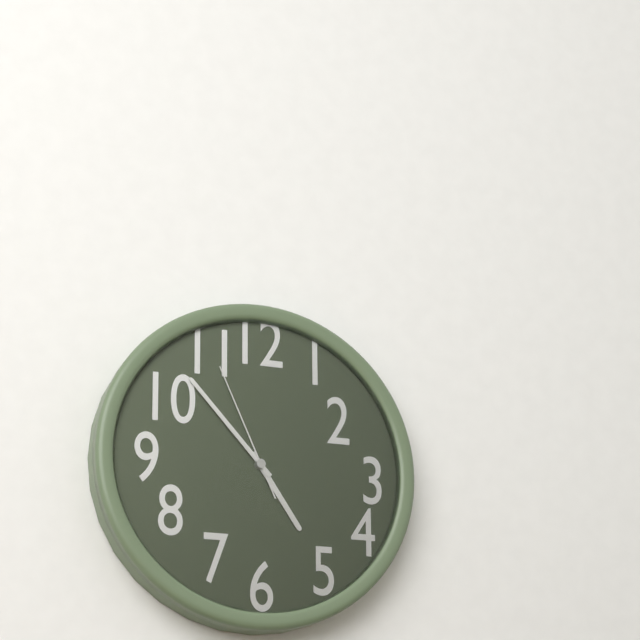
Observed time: 4h53m56s
